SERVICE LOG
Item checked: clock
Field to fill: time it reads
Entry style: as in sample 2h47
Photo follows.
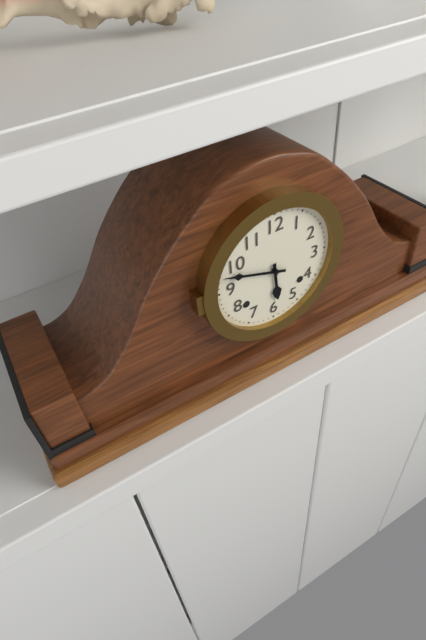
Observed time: 5h48
